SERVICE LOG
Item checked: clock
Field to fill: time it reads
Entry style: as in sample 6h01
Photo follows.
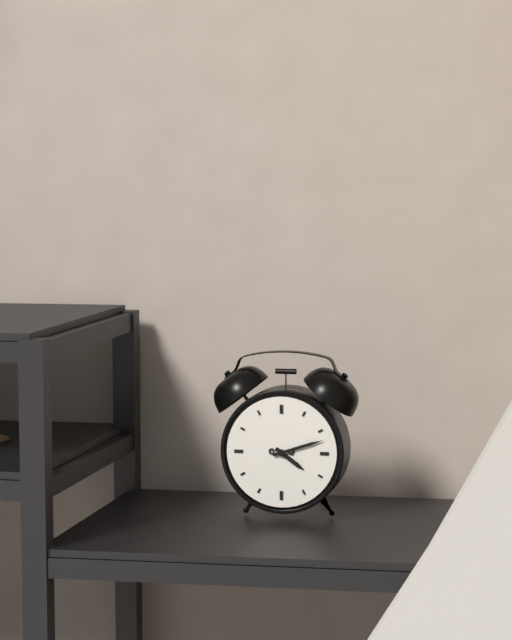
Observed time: 4h12
